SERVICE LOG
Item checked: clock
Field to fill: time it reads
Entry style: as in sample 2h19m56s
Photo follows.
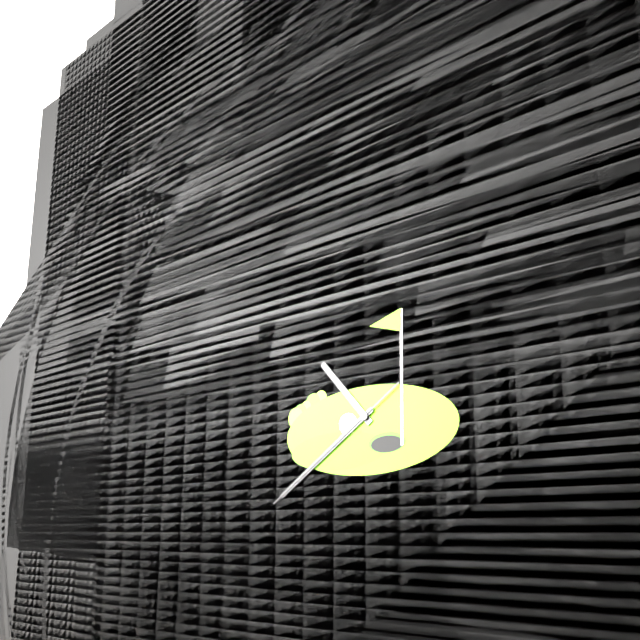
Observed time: 10h39m39s
